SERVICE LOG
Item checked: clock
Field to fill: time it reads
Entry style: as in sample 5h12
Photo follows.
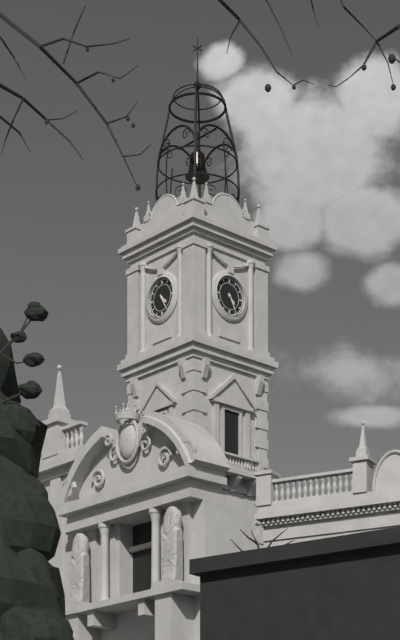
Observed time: 4h25
